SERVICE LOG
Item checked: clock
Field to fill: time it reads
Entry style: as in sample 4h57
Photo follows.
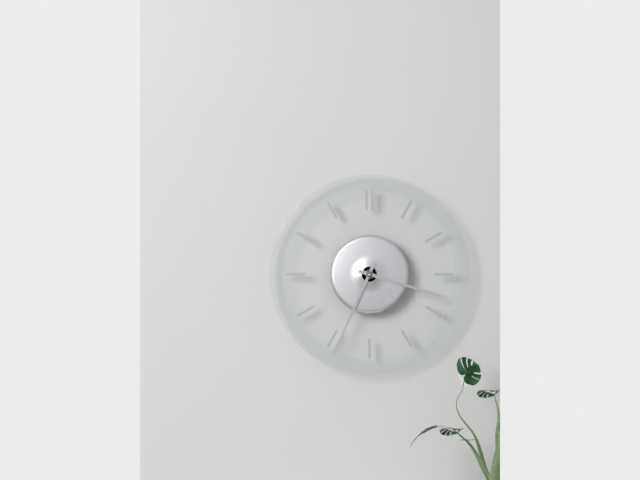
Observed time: 3h34
